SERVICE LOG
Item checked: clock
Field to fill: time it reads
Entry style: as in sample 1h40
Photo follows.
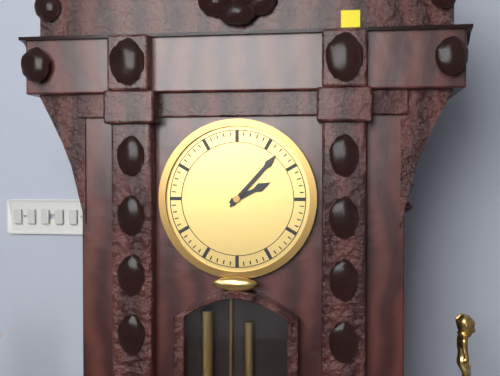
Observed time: 2h07
